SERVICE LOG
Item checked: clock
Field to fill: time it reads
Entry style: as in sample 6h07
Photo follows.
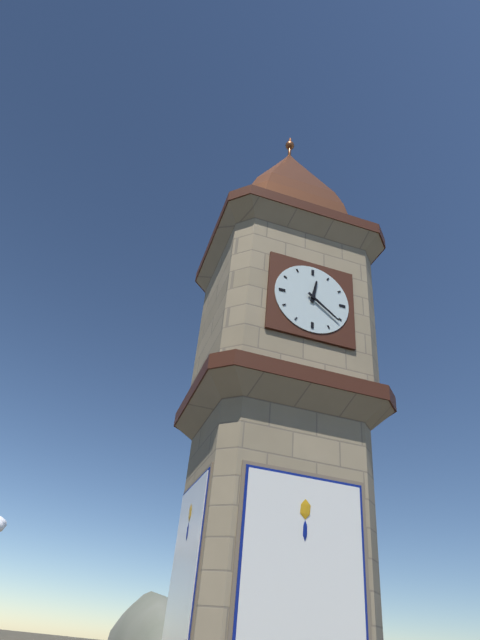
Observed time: 12h21
